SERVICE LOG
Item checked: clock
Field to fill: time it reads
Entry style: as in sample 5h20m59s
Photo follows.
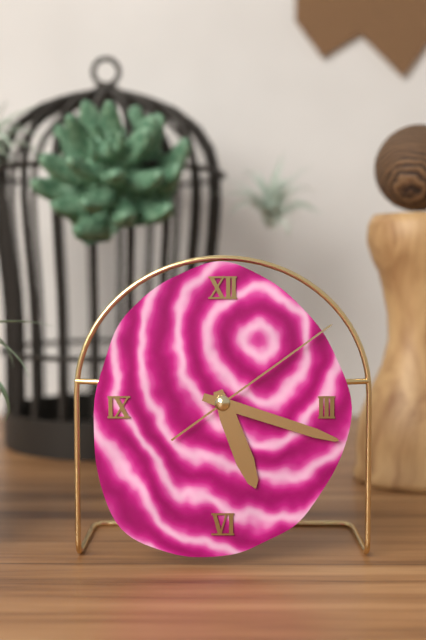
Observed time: 5h18m09s
